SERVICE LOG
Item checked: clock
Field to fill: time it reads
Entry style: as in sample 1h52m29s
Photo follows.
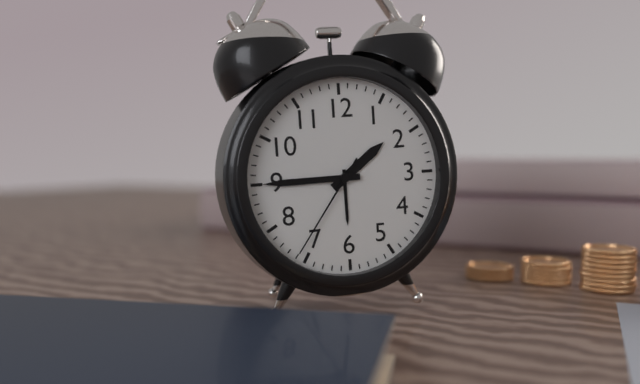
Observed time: 1h45m36s
